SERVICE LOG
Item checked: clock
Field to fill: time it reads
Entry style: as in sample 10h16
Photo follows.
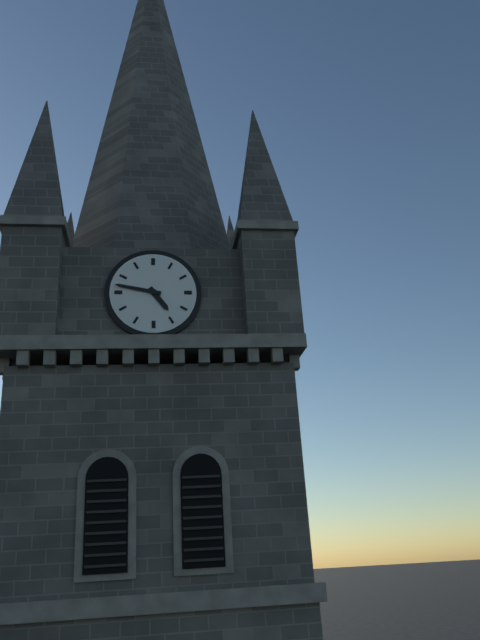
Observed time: 4h47
